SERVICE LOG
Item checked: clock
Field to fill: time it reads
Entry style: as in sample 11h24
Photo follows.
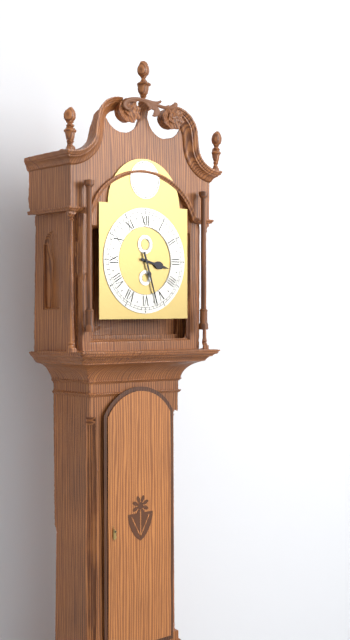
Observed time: 3h27
